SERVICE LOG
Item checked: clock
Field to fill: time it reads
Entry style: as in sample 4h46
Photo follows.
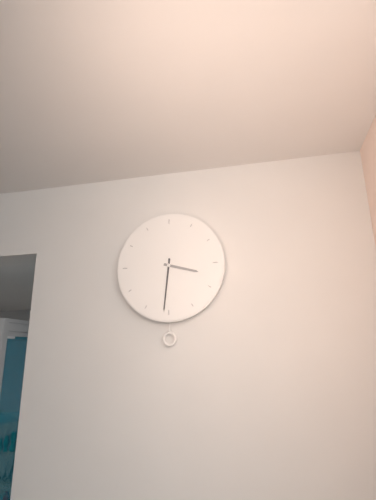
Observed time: 3h31
